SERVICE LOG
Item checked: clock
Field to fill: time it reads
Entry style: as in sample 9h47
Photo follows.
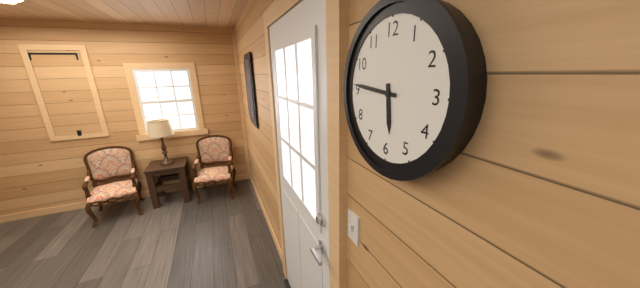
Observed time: 5h46
